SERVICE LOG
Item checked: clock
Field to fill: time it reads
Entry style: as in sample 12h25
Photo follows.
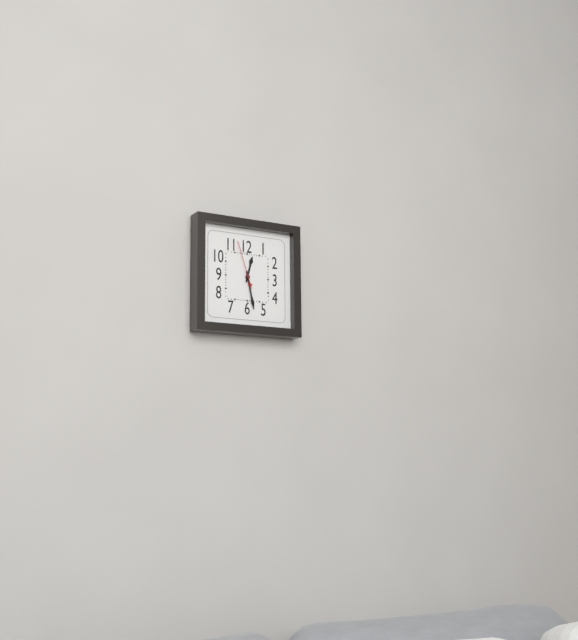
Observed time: 12h28
